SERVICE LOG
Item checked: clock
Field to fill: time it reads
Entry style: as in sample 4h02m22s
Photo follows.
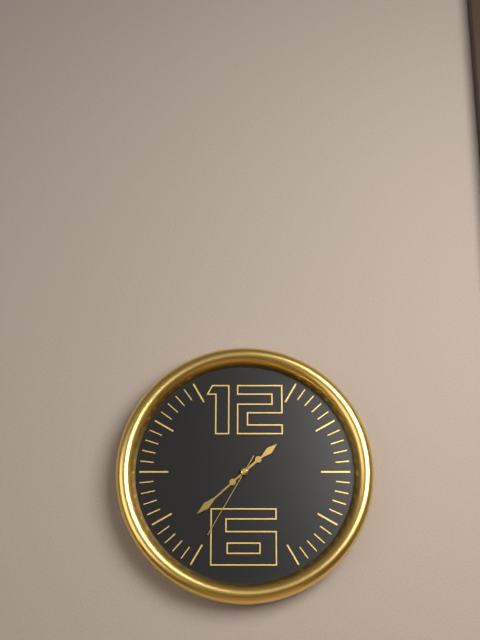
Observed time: 1h38m35s
